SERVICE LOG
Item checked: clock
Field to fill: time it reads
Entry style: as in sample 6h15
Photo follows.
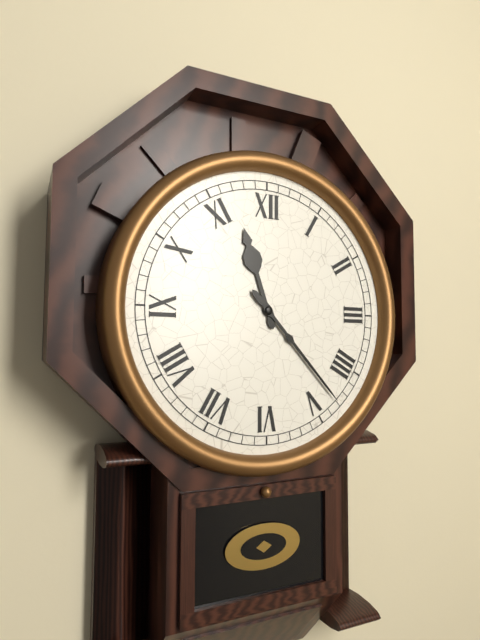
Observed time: 11h23
